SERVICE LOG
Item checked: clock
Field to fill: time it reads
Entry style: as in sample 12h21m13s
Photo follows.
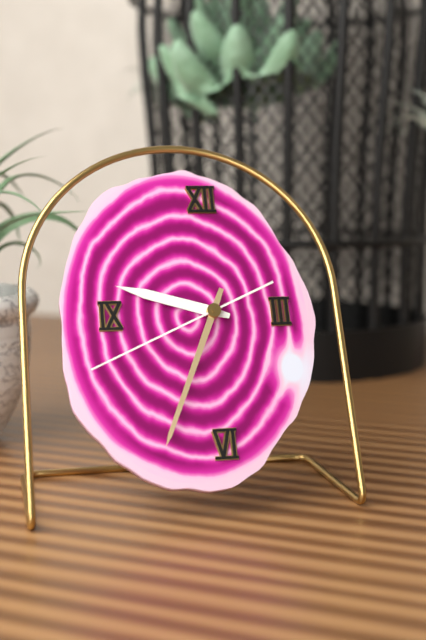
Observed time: 9h34m41s
